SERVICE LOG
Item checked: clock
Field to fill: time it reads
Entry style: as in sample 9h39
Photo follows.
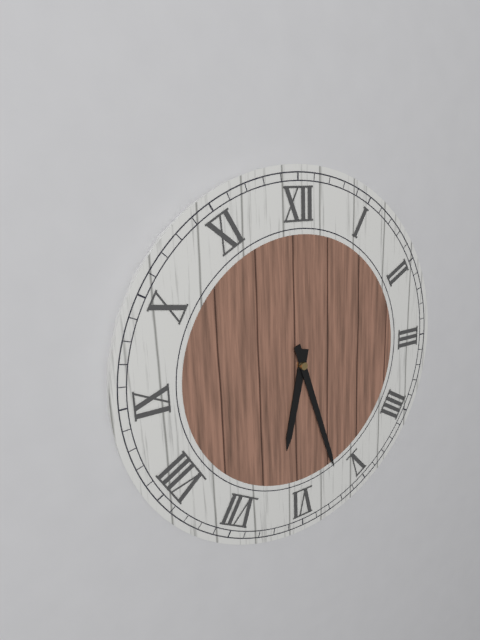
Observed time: 6h27
